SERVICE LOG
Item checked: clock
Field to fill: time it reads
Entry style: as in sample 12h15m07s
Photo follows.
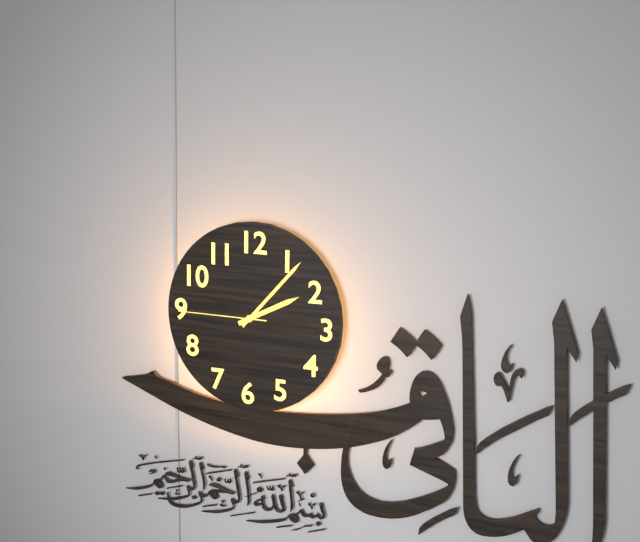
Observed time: 2h07m45s
